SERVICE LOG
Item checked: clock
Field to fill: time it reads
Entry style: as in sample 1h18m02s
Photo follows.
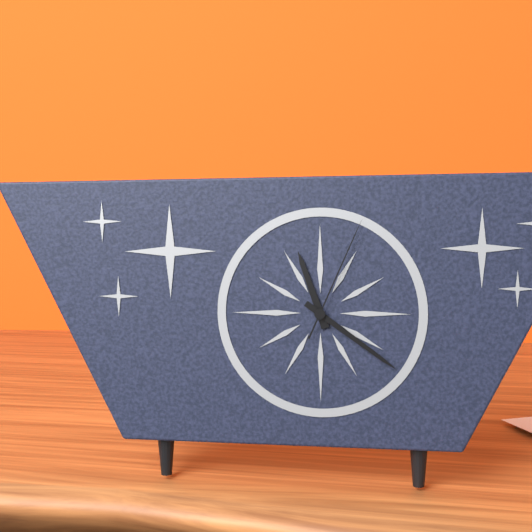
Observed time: 11h21m04s
